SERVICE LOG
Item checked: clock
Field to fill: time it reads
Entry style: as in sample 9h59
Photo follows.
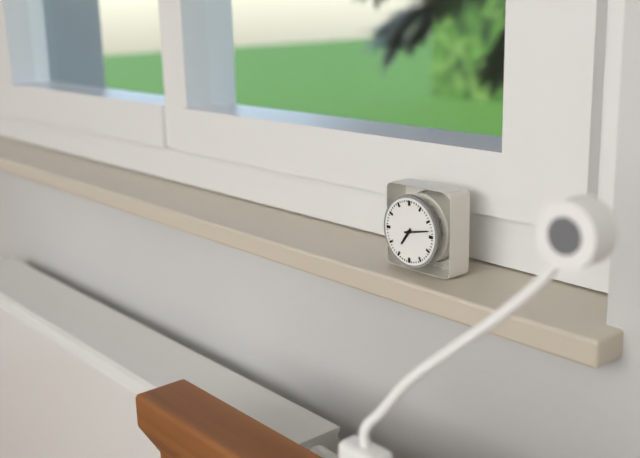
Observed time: 7h13
